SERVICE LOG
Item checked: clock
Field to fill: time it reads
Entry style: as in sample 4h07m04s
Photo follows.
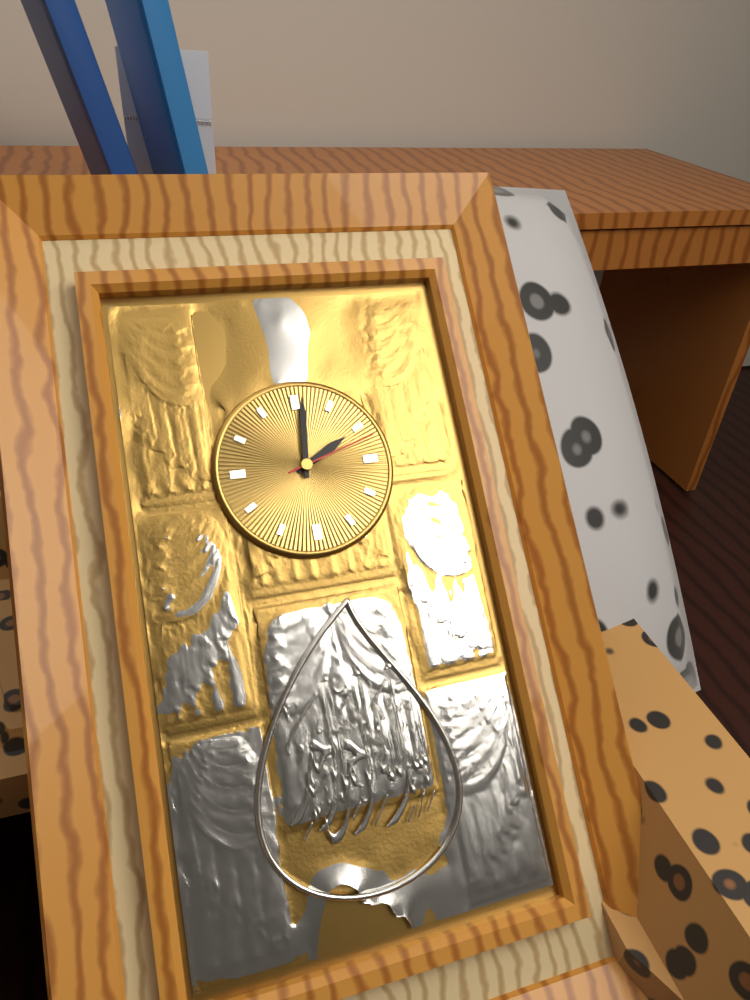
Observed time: 2h01m12s
